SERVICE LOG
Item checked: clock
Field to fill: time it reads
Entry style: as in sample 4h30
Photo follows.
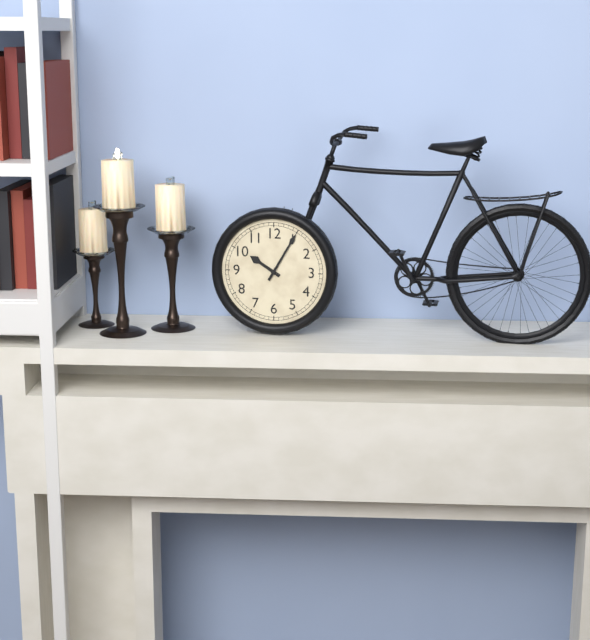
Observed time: 10h05
